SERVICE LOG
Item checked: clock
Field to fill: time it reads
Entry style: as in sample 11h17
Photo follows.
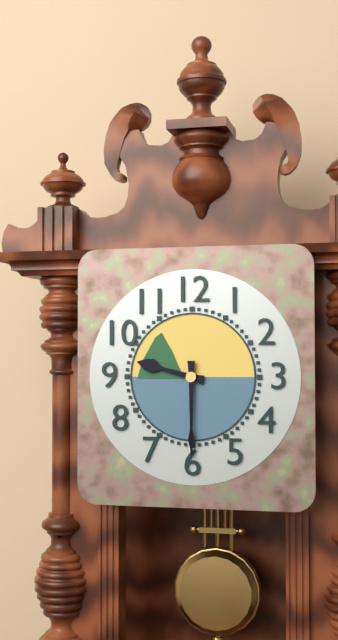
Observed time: 9h30
